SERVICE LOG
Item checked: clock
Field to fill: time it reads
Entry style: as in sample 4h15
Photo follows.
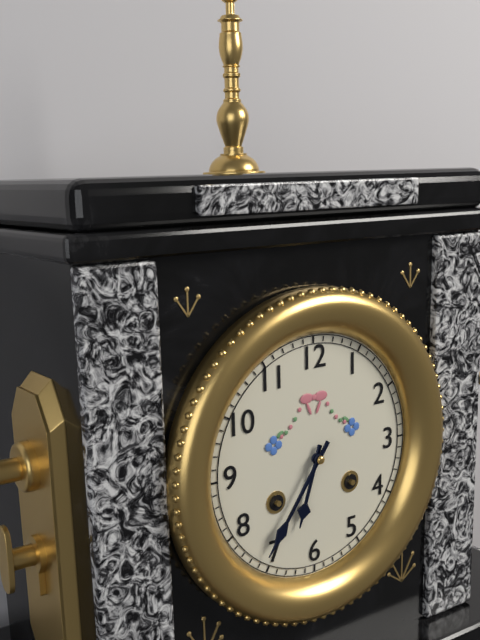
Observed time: 6h36
